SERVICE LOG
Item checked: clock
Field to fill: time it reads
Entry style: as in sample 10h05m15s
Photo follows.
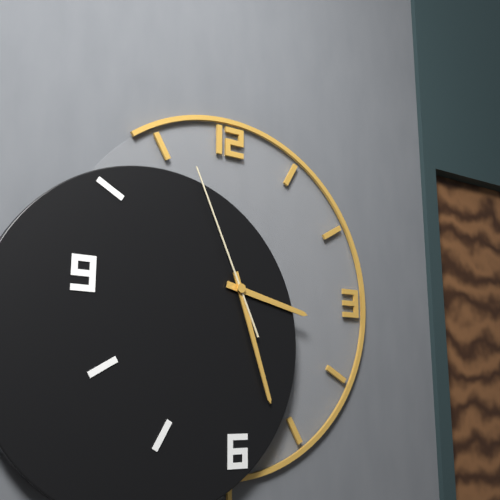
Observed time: 3h27m56s
